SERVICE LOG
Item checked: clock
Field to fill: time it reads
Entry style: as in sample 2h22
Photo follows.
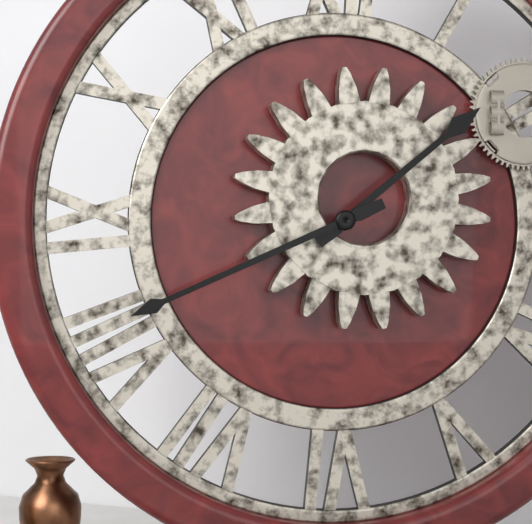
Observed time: 1h41
